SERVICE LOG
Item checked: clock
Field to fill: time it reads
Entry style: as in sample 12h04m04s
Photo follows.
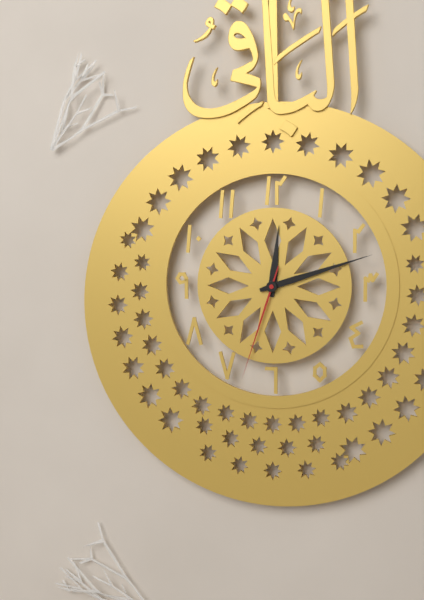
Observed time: 12h12m33s
